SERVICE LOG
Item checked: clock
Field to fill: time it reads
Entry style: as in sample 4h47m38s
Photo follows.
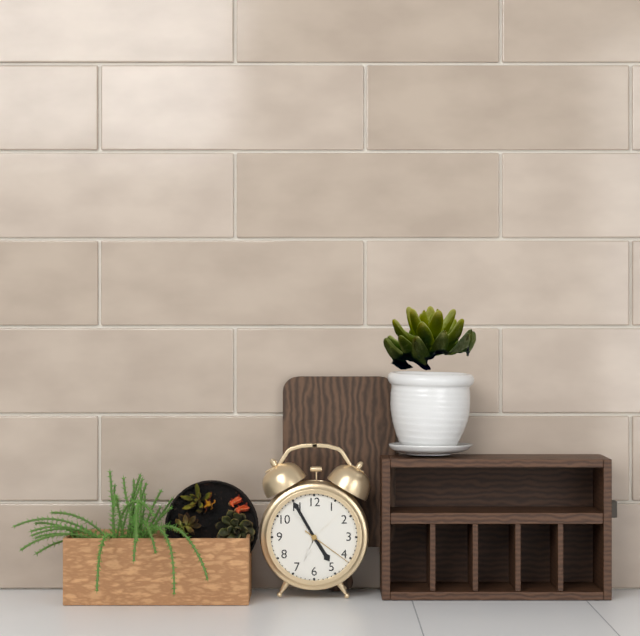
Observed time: 4h55m21s
